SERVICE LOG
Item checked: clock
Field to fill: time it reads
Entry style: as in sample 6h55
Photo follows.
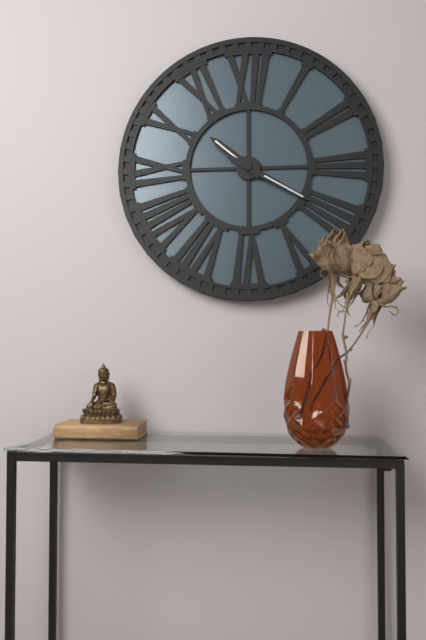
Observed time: 10h20
